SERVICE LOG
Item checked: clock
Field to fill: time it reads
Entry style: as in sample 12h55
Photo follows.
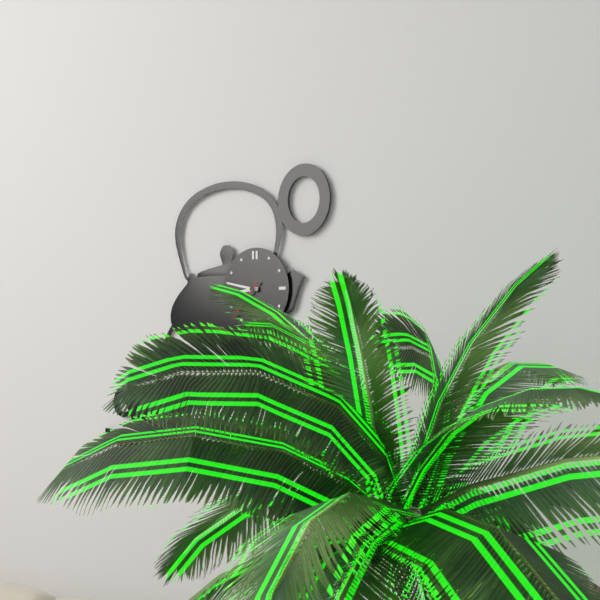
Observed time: 8h47
